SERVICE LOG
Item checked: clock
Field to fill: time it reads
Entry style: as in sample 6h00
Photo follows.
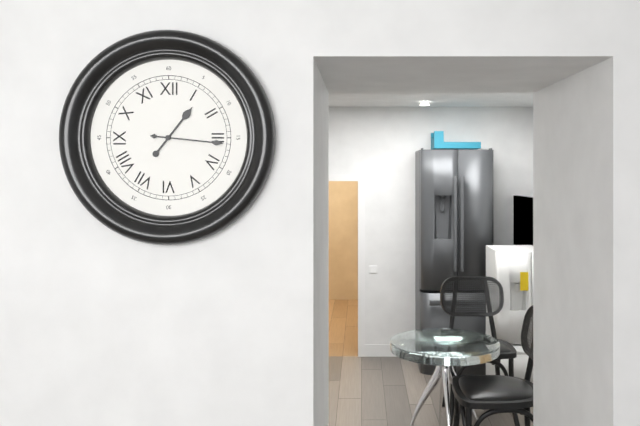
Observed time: 1h16
